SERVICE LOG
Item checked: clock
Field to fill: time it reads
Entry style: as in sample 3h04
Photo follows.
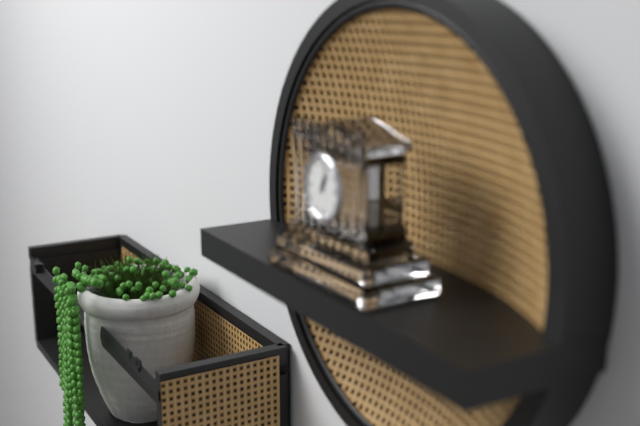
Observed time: 1h03
